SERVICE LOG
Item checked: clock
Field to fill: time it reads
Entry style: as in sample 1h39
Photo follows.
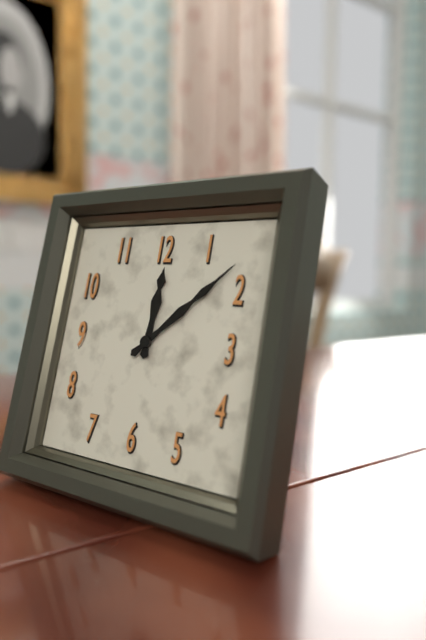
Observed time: 12h08
